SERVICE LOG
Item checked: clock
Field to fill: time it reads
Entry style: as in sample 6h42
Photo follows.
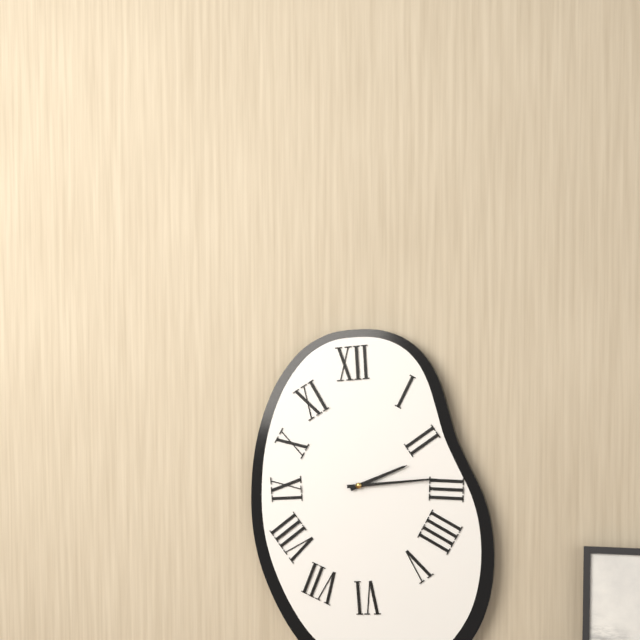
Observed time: 2h14
